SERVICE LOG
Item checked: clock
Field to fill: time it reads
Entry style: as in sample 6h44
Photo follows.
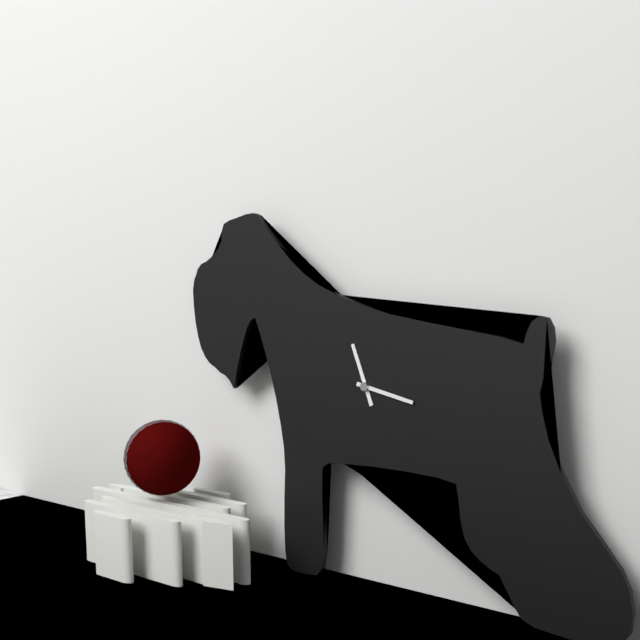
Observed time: 11h17
